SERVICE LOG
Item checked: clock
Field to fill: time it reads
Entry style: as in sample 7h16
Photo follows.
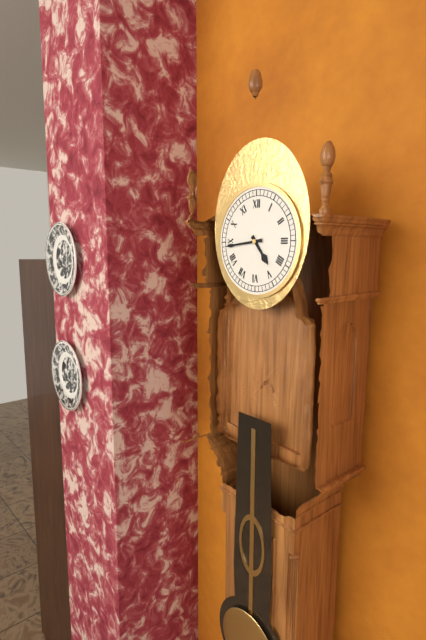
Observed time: 4h44
